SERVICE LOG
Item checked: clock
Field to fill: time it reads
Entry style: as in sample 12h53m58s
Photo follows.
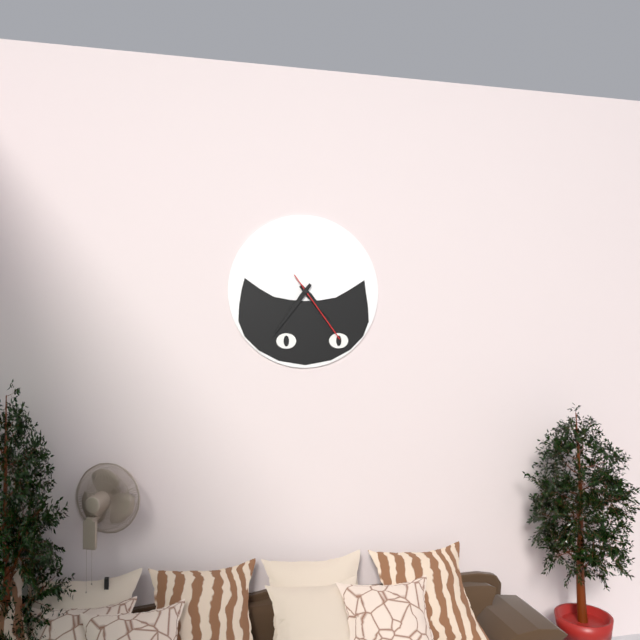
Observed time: 4h36m24s
